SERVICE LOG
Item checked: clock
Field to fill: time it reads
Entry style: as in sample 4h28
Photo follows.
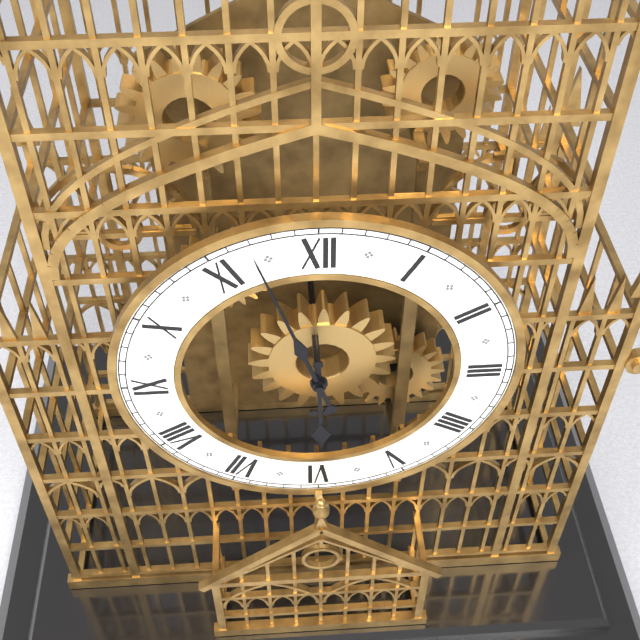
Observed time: 5h57
